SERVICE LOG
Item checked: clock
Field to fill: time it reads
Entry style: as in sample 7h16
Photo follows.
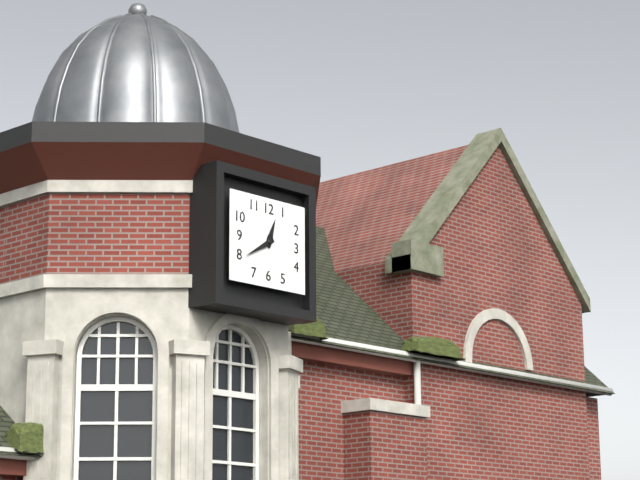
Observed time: 12h40
